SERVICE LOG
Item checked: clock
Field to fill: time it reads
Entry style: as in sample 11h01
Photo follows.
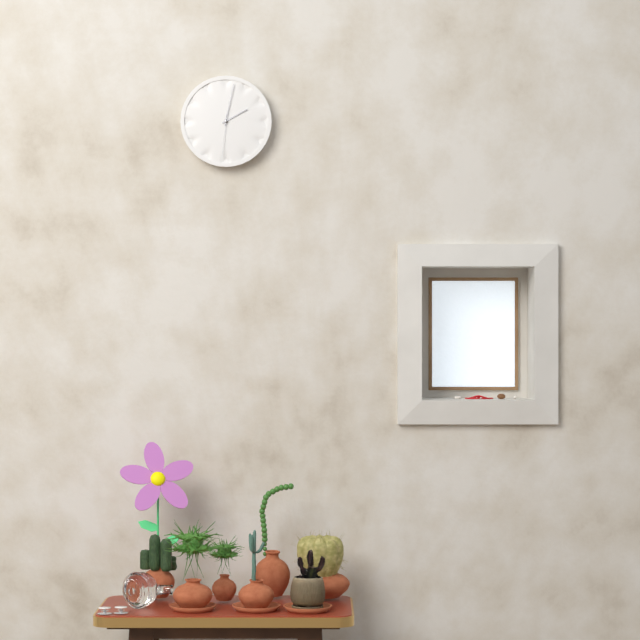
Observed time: 2h02
